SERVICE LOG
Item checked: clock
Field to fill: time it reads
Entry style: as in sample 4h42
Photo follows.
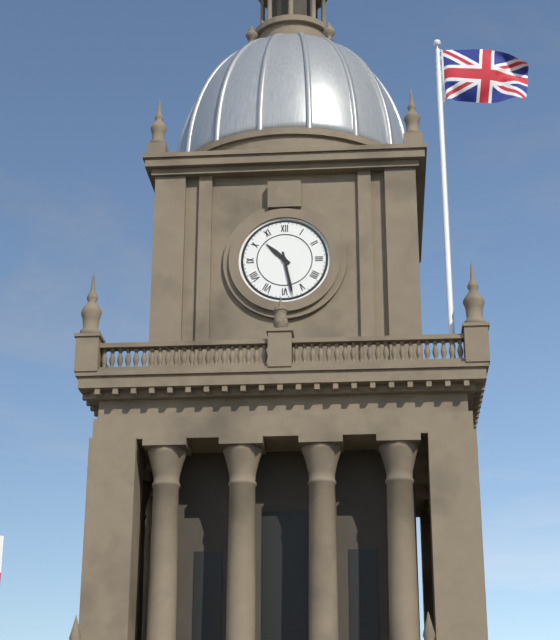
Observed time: 10h28
